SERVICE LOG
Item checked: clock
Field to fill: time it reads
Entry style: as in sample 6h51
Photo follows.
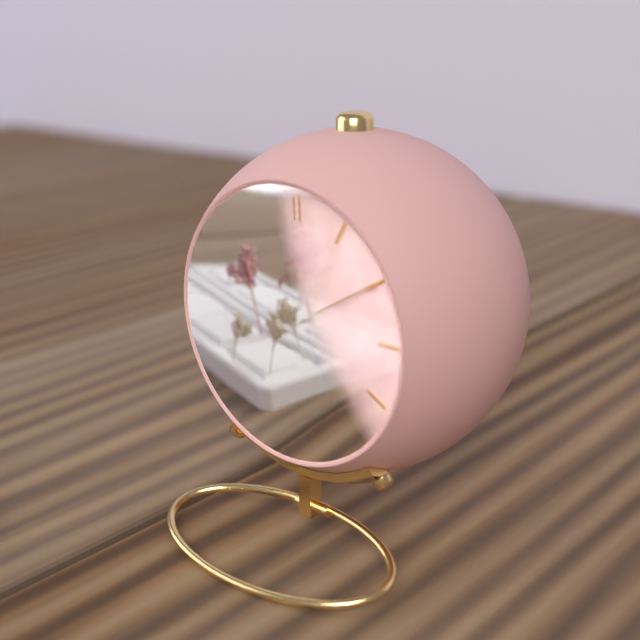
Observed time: 7h26
